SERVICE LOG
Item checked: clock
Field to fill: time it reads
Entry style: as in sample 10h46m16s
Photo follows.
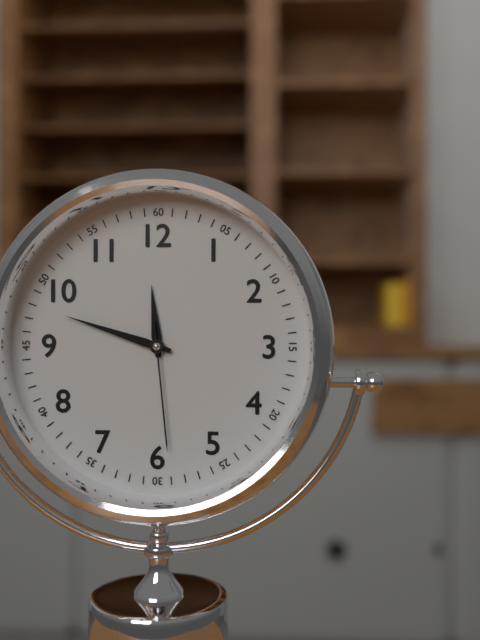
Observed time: 11h48m29s
